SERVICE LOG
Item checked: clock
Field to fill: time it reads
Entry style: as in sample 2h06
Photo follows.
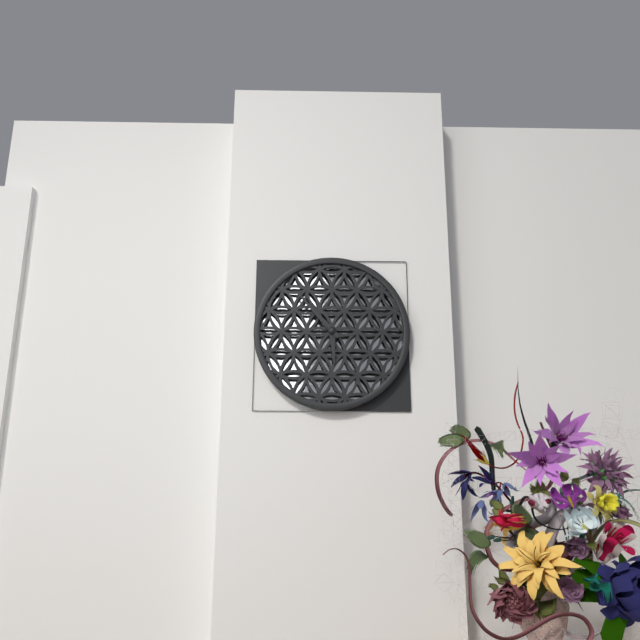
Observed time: 5h53
